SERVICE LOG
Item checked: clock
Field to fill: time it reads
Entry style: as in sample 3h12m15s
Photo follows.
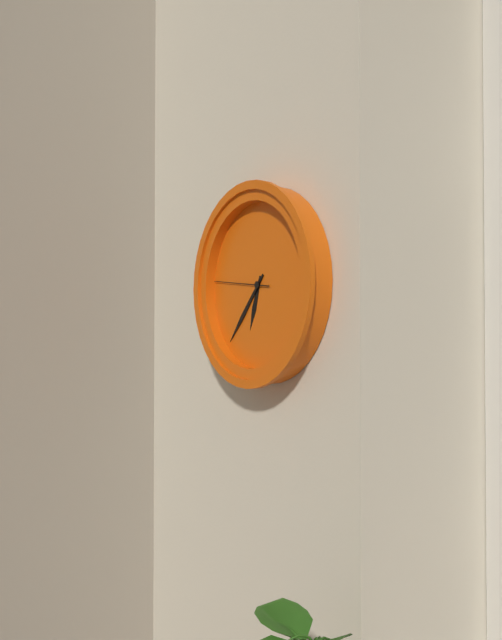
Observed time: 6h37m46s
